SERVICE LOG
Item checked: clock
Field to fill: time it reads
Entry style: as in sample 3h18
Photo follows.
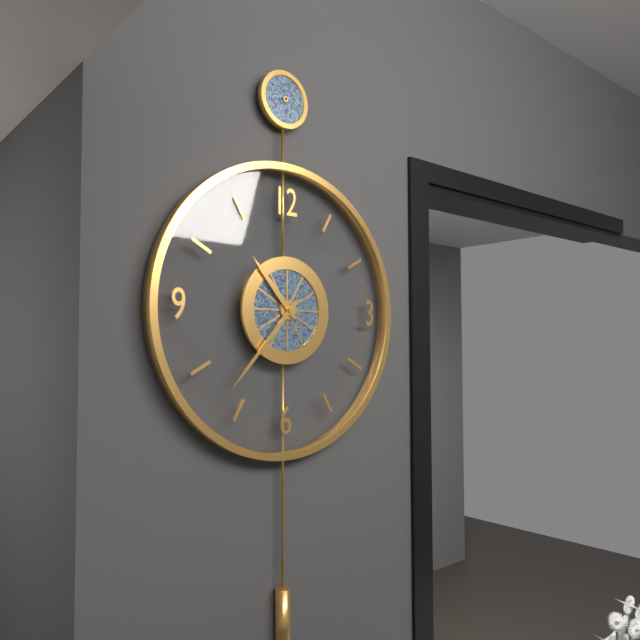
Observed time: 10h37
